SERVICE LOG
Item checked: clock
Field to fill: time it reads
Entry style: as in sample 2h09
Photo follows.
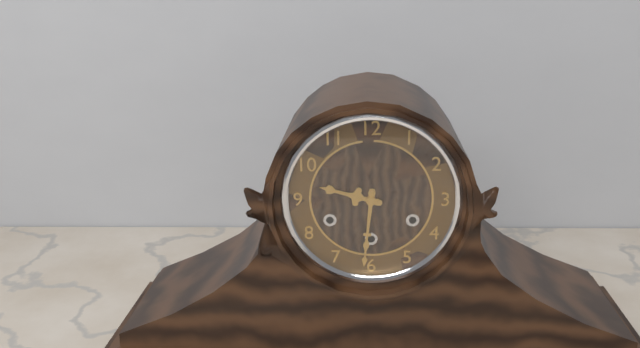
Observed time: 9h31
